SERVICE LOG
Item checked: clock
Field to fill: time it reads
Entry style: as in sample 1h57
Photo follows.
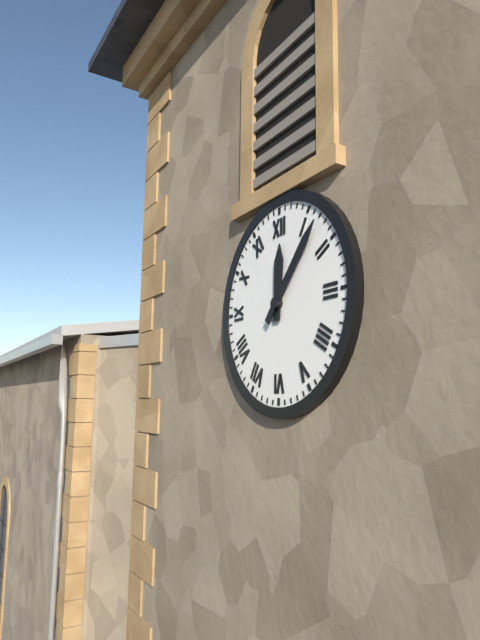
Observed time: 12h07
